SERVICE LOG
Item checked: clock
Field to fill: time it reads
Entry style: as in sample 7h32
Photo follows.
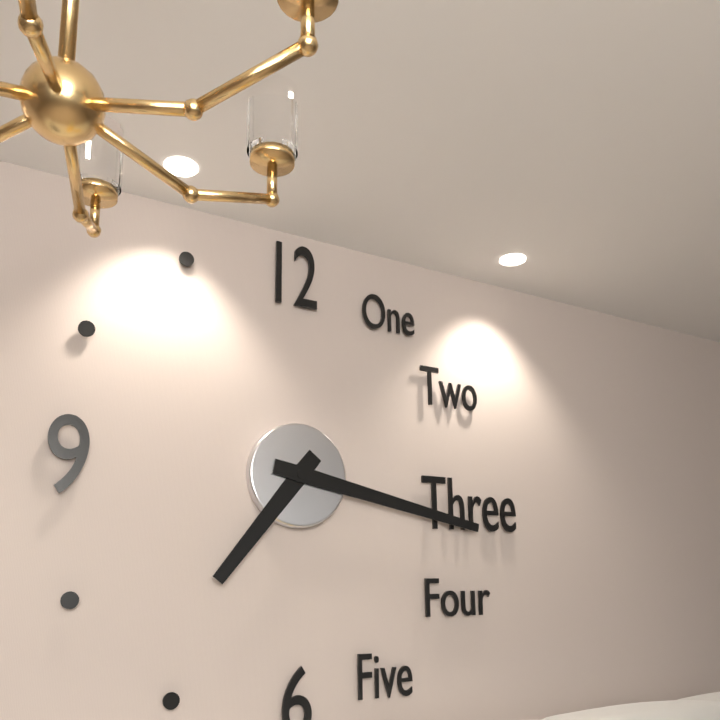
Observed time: 7h17
